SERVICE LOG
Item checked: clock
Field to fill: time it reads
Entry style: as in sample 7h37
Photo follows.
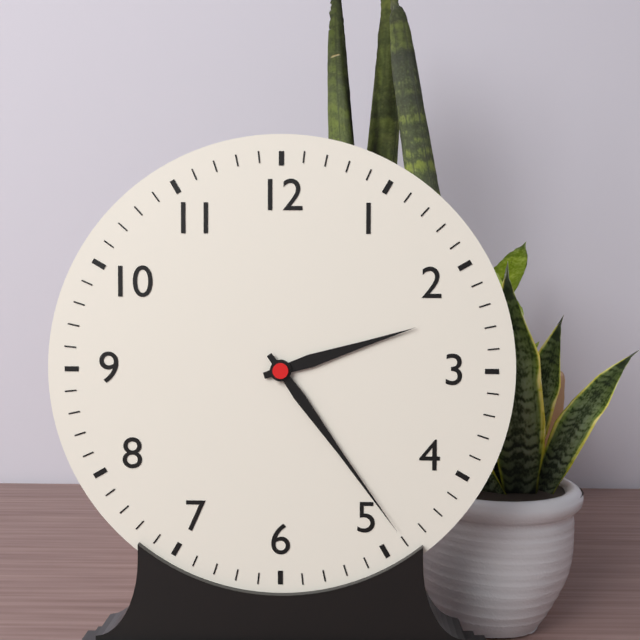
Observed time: 2h24
